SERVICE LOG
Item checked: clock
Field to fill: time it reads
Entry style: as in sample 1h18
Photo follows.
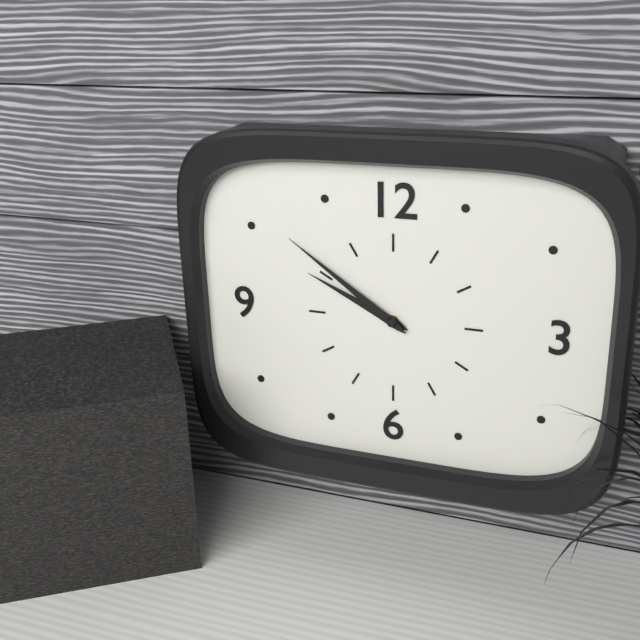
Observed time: 9h51
